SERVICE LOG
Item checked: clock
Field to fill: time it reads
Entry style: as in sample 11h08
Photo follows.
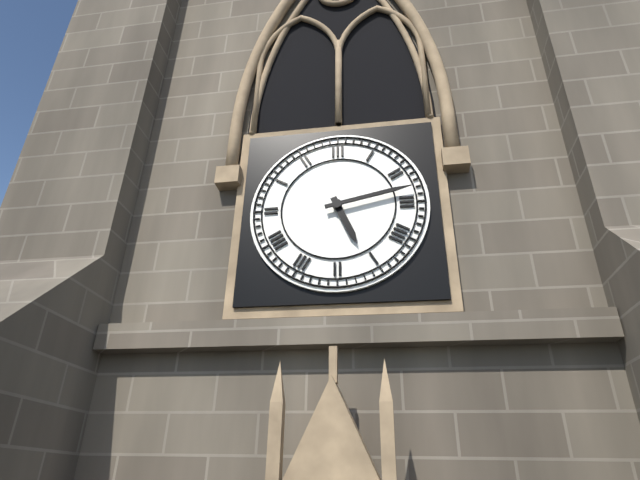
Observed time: 5h13
